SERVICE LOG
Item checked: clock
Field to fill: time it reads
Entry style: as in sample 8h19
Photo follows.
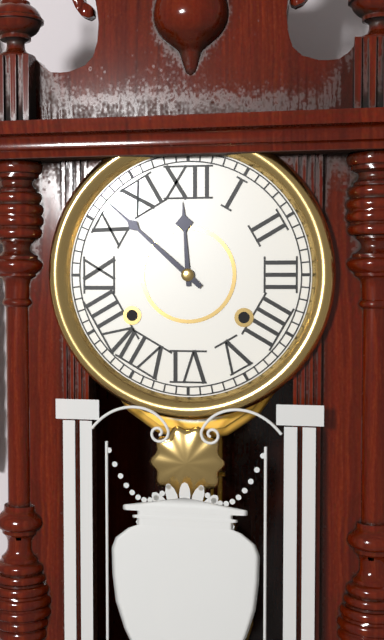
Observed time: 11h52
